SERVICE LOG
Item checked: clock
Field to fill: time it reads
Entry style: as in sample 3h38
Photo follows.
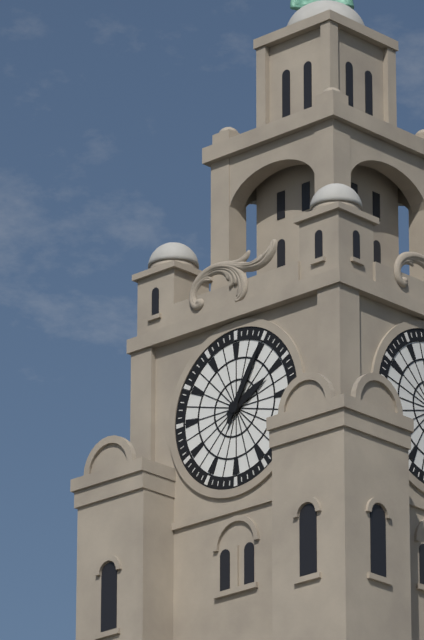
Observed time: 2h05
